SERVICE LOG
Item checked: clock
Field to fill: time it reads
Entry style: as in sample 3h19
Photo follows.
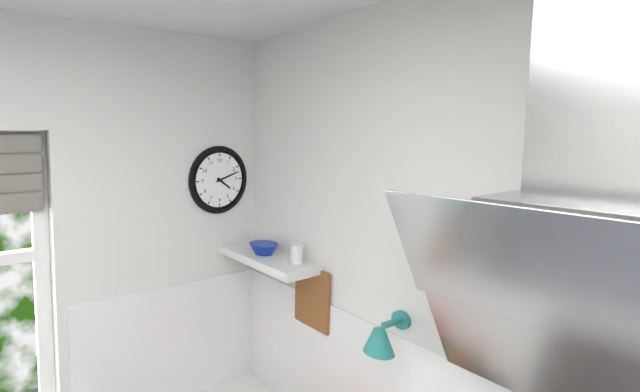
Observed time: 4h12
